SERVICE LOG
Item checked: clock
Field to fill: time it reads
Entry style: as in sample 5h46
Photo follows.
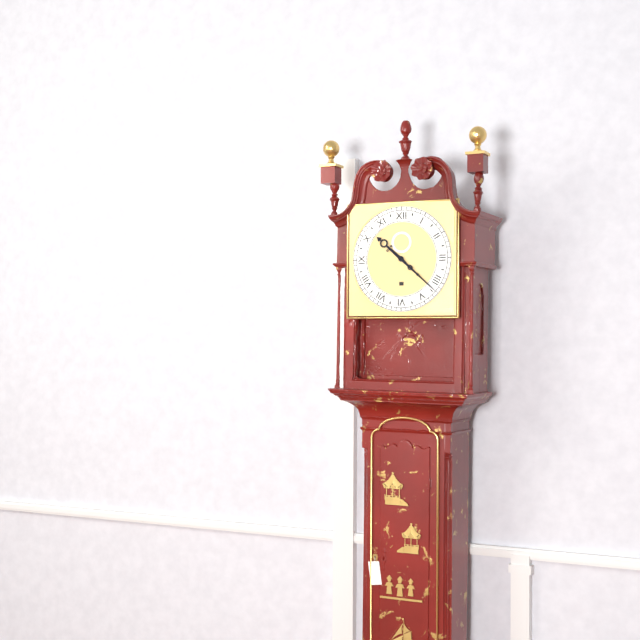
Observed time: 10h22
